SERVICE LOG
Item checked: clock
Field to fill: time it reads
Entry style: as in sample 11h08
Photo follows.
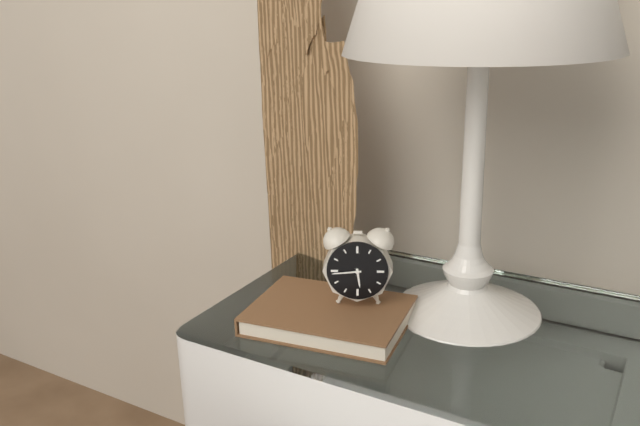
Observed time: 5h44
